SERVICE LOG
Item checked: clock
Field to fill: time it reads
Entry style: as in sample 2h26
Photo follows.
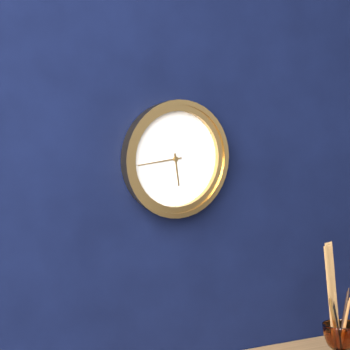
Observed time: 5h44
